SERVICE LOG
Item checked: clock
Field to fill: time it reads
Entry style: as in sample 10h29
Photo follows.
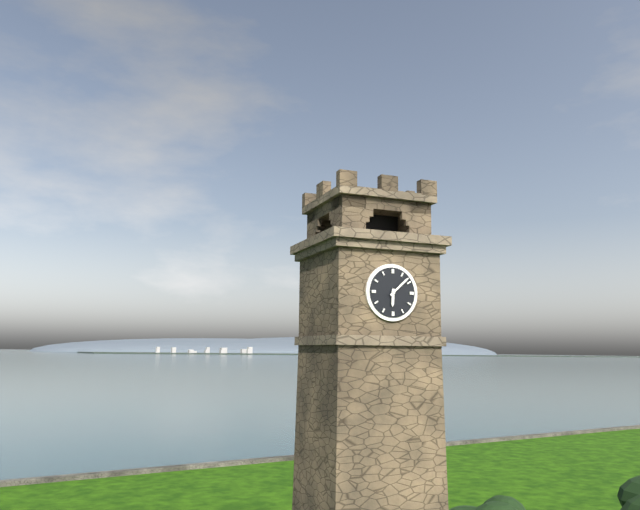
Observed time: 6h08
